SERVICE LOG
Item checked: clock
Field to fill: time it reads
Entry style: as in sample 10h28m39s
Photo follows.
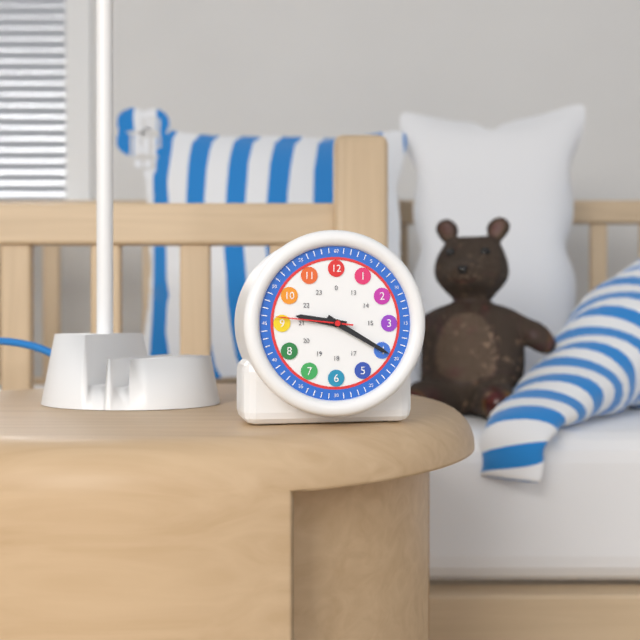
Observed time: 9h20m46s
